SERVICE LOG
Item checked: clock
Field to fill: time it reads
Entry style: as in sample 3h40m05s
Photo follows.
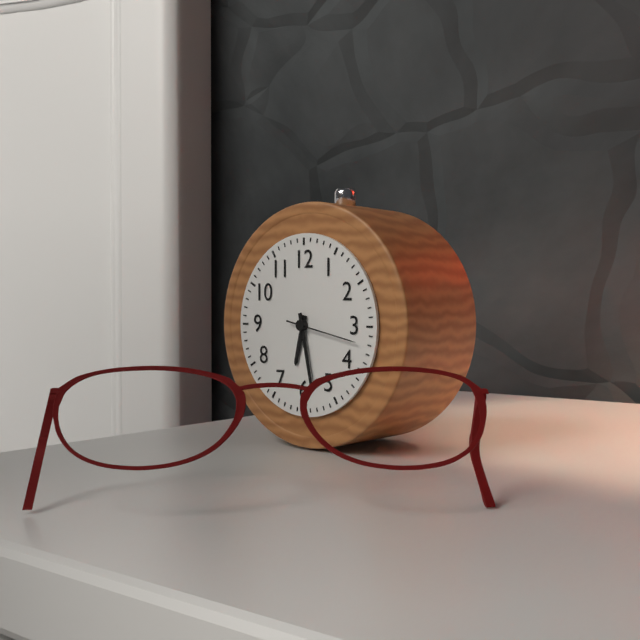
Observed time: 6h28m17s
